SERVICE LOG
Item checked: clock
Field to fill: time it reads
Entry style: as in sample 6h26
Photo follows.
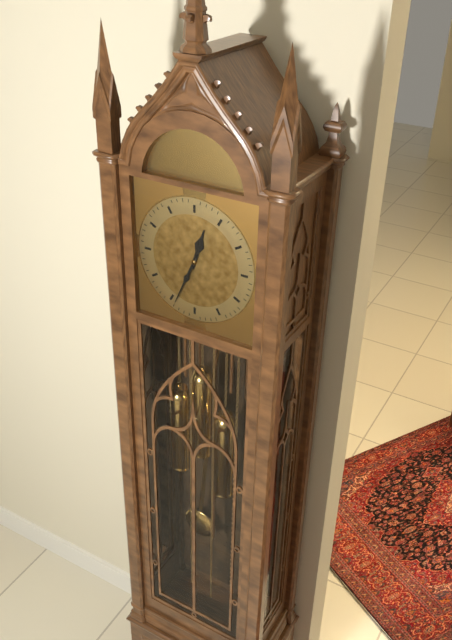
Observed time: 12h34
